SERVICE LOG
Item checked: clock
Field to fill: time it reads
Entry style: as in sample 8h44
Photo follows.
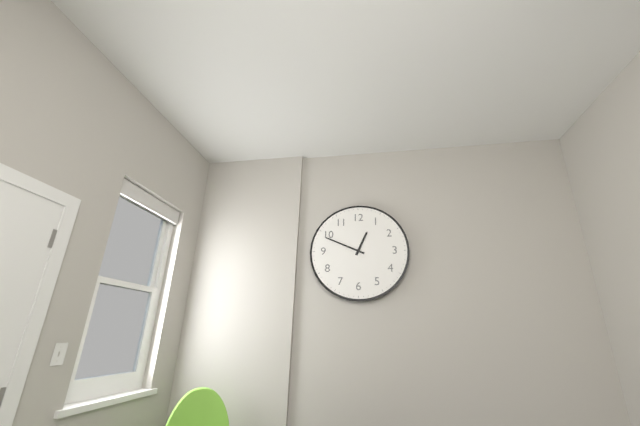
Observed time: 12h49
